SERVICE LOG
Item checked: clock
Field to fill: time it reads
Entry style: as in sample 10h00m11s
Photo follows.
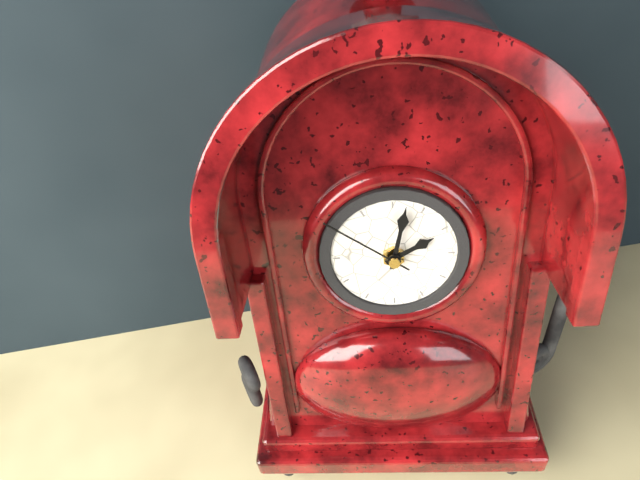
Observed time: 2h02m51s
